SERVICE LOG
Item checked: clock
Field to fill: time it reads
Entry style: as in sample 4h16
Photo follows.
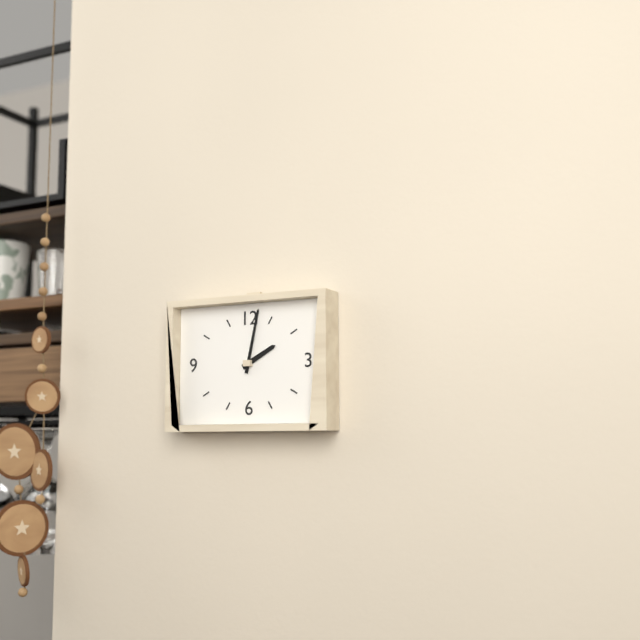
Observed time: 2h02
